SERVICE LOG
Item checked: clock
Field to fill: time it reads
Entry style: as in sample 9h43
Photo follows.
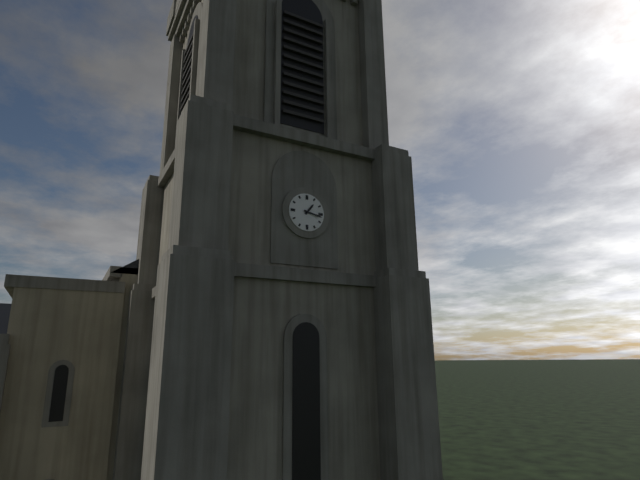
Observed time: 1h17
